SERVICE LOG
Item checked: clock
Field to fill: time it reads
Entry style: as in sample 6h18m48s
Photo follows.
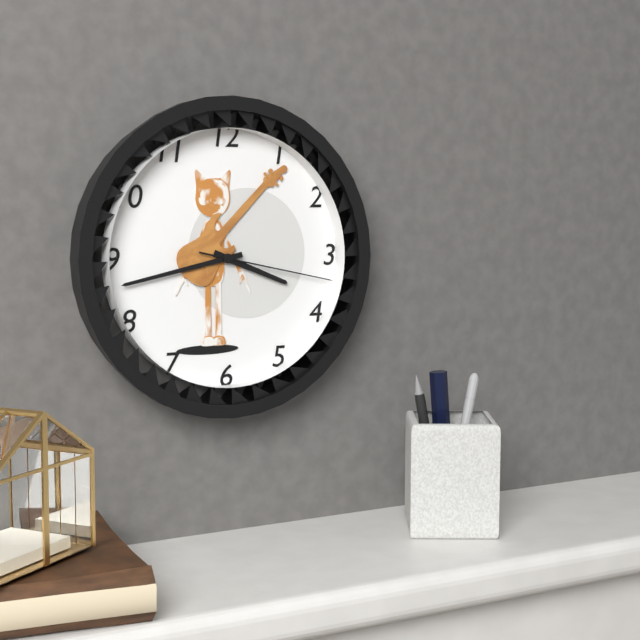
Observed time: 3h43m17s
